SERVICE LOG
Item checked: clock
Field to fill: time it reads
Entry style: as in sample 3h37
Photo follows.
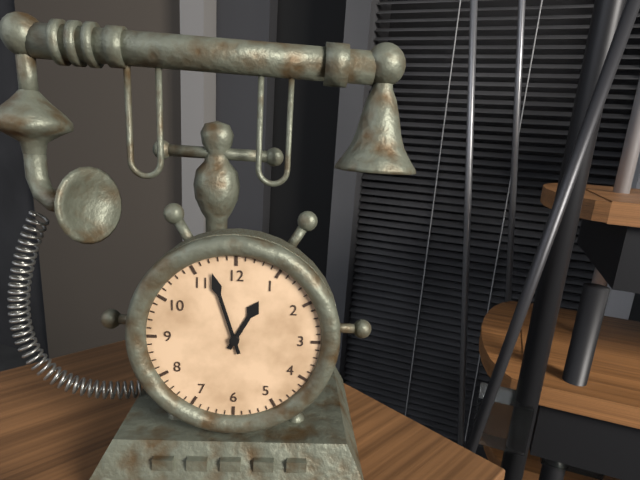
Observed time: 12h57
